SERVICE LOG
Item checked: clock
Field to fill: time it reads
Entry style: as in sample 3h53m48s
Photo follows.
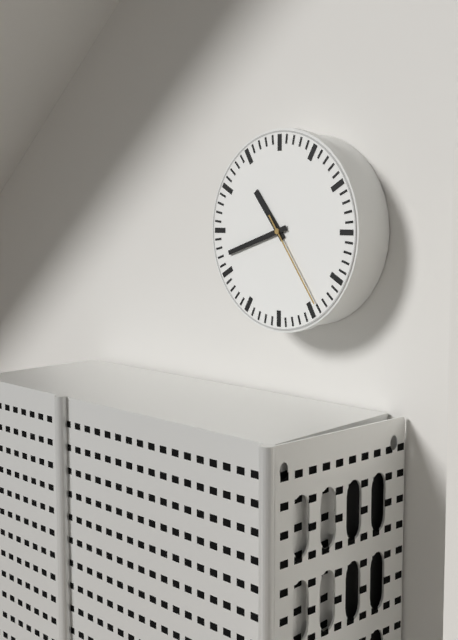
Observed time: 10h42m24s
